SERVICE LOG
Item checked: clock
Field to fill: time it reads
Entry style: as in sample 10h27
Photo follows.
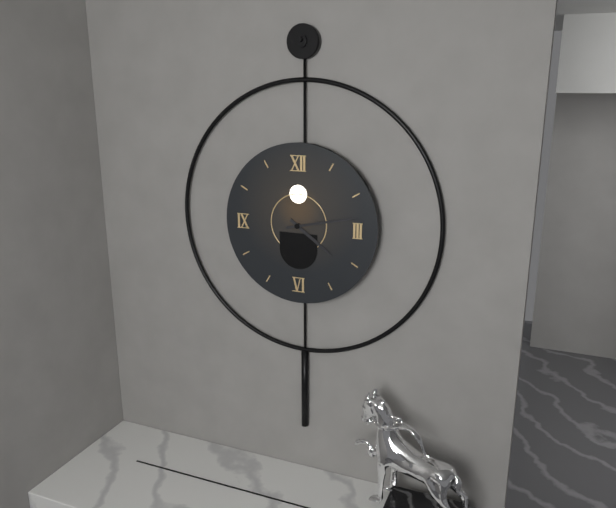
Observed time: 4h13
